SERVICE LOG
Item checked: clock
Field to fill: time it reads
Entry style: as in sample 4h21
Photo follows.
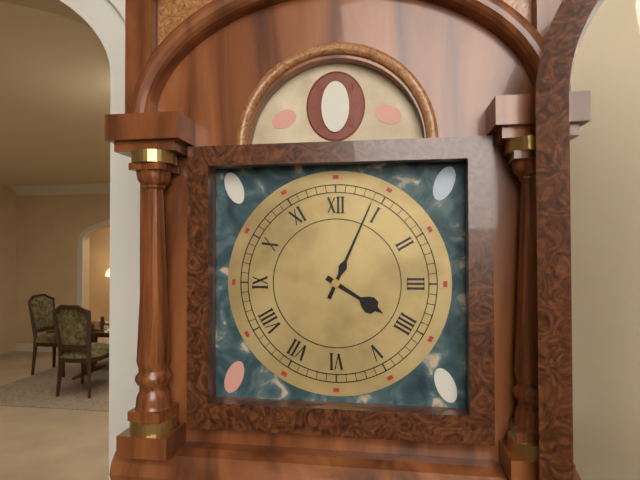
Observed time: 4h04
